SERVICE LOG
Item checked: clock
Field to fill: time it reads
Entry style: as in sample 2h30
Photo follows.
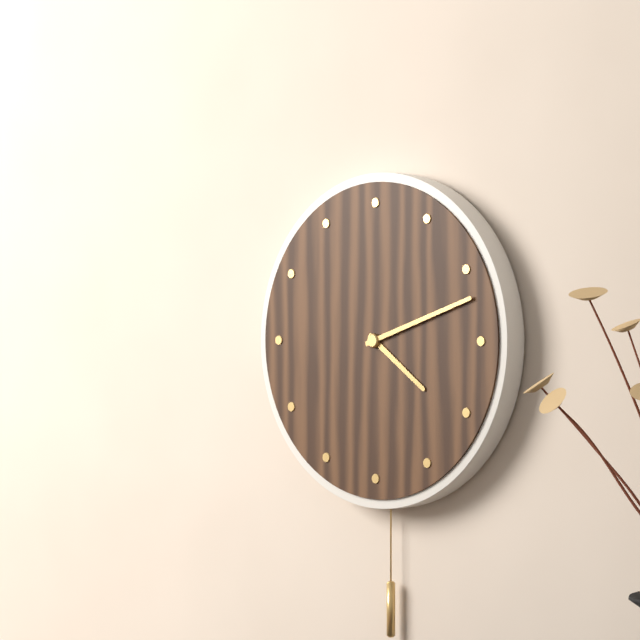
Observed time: 4h12
